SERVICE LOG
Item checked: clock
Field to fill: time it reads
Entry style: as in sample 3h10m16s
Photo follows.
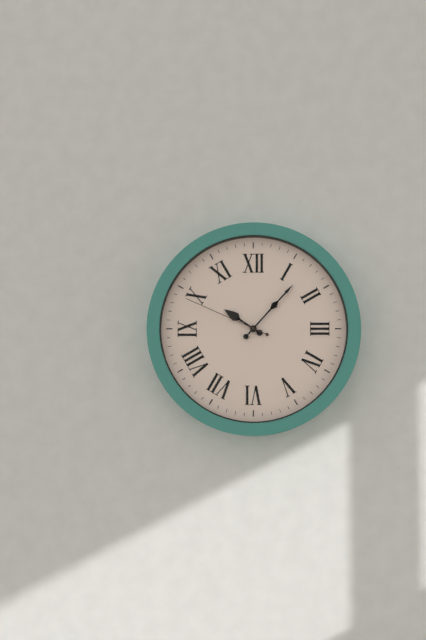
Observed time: 10h07m49s
